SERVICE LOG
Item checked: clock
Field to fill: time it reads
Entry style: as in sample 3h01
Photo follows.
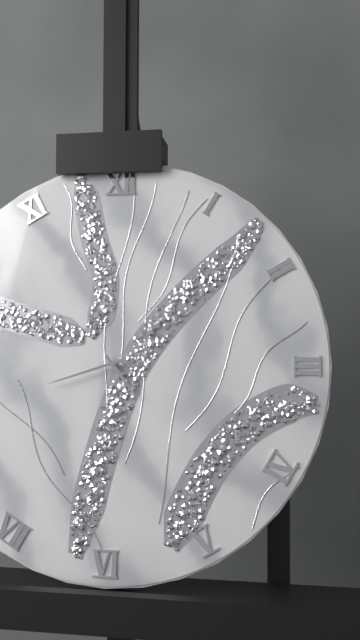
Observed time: 4h42
